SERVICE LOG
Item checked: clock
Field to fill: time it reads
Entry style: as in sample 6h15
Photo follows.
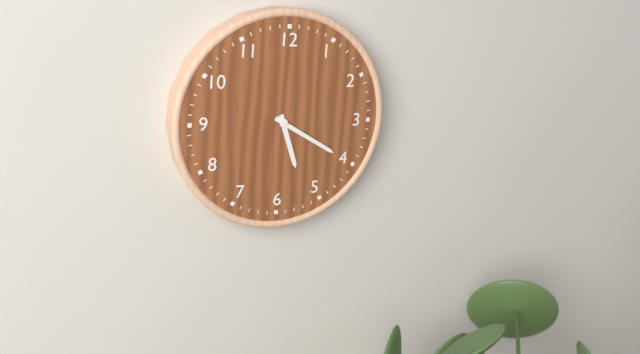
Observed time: 5h20
